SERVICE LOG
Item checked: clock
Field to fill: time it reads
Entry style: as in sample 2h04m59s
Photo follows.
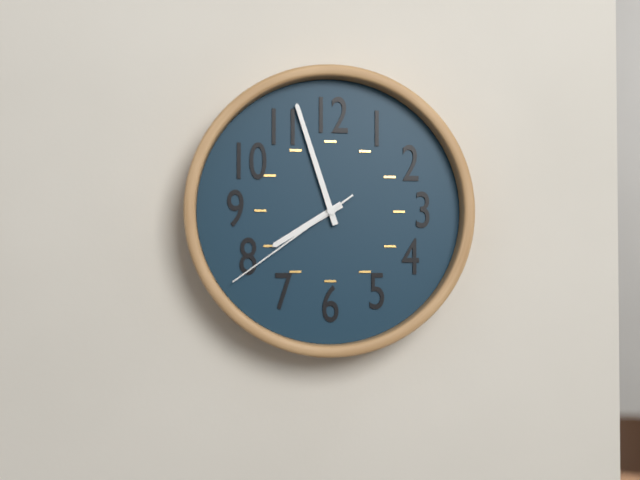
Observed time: 7h57m39s
